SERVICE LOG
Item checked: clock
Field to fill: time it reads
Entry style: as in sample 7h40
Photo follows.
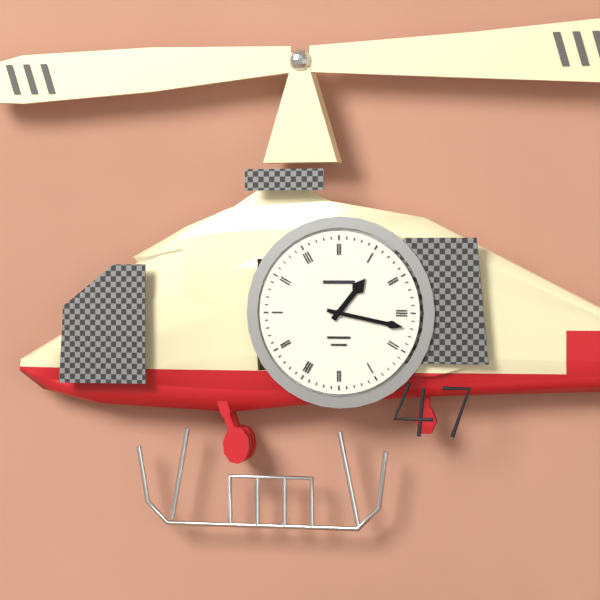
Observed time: 1h17
